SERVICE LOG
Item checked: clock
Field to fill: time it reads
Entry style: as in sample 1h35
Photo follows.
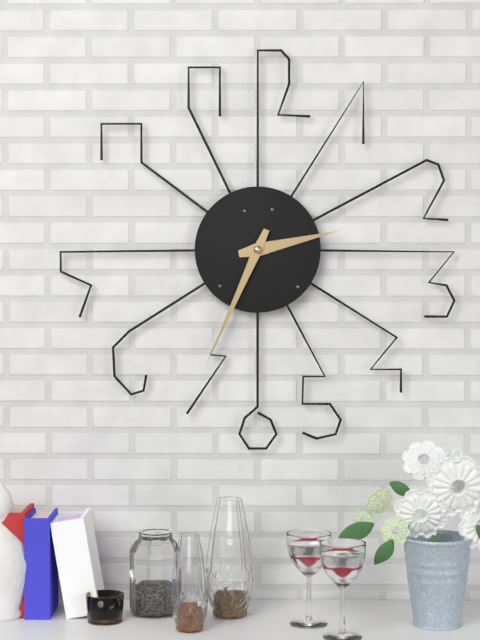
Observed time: 2h34
